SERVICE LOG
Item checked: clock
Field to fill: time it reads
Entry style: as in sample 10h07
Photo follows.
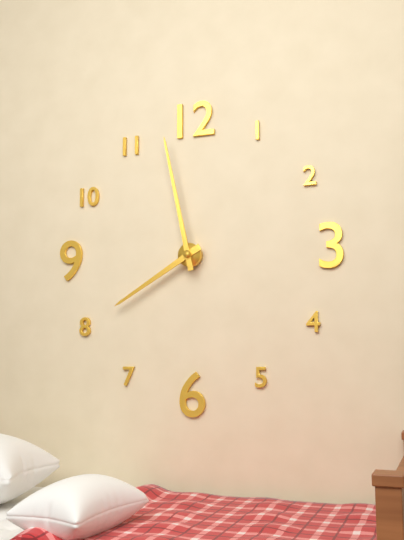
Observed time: 7h58
